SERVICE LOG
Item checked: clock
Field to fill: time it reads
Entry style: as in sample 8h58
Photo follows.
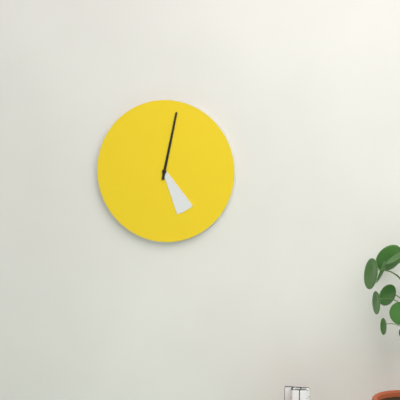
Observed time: 5h02
